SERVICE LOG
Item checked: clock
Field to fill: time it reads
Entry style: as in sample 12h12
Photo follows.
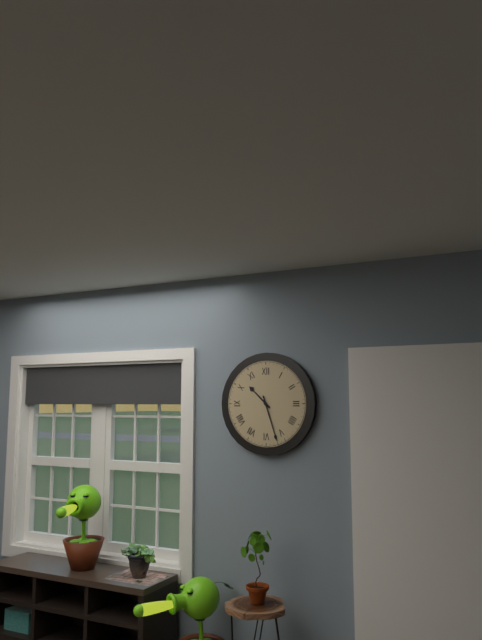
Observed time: 10h27
